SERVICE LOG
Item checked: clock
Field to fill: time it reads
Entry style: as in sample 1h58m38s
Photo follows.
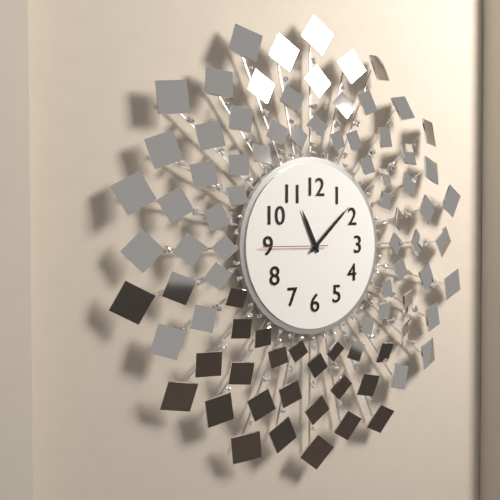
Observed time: 11h08m45s
